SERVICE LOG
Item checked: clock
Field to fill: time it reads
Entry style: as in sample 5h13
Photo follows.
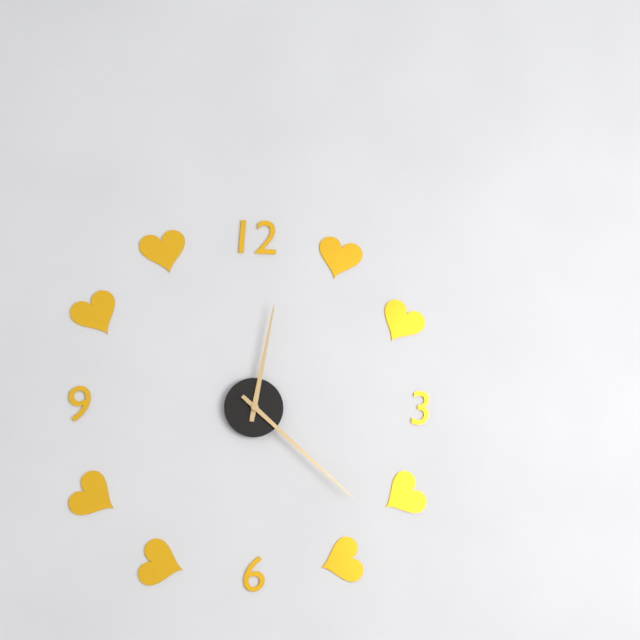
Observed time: 12h22
